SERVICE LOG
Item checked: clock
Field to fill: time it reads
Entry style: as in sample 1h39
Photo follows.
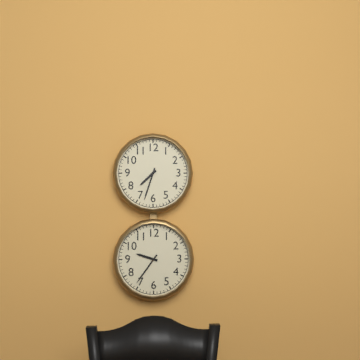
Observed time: 7h33
